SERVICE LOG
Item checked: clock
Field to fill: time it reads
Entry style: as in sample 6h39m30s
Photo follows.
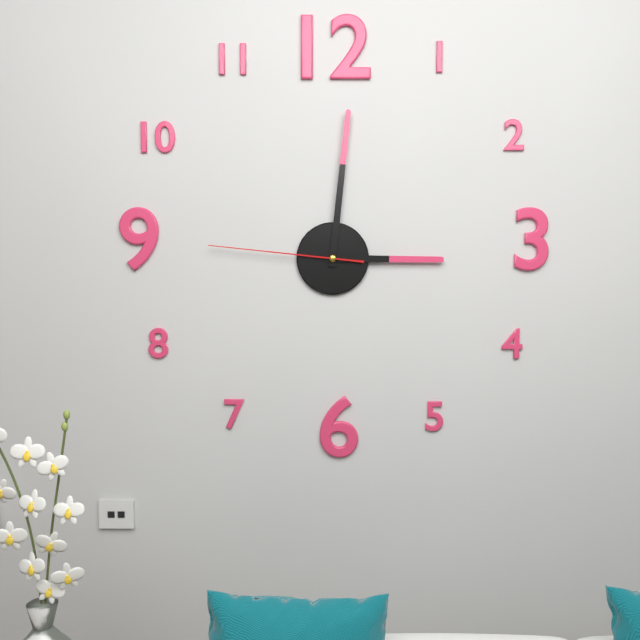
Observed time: 3h01m46s
